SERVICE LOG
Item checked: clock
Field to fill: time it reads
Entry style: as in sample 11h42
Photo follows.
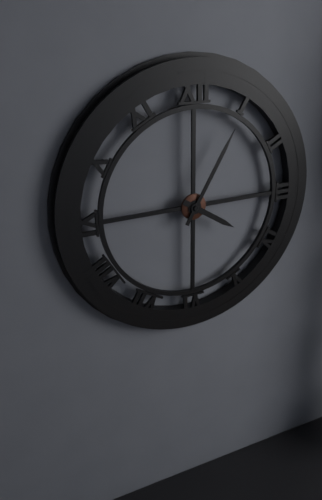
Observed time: 4h05
